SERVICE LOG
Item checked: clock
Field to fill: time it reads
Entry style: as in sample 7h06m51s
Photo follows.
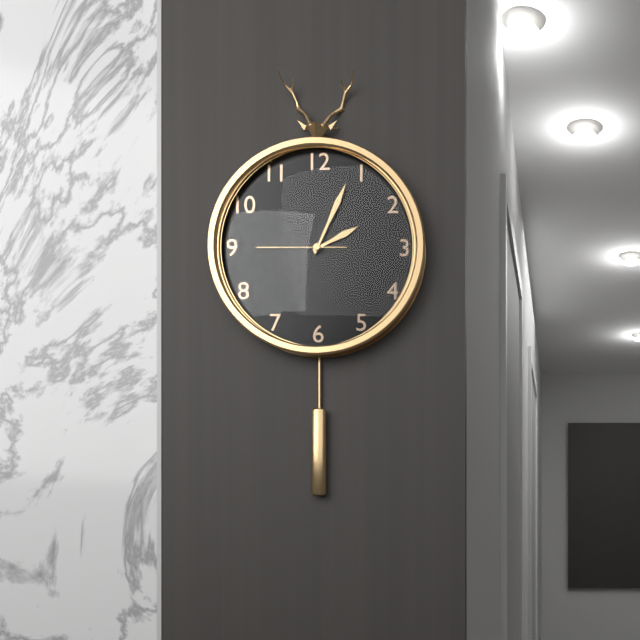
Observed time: 2h04m45s
